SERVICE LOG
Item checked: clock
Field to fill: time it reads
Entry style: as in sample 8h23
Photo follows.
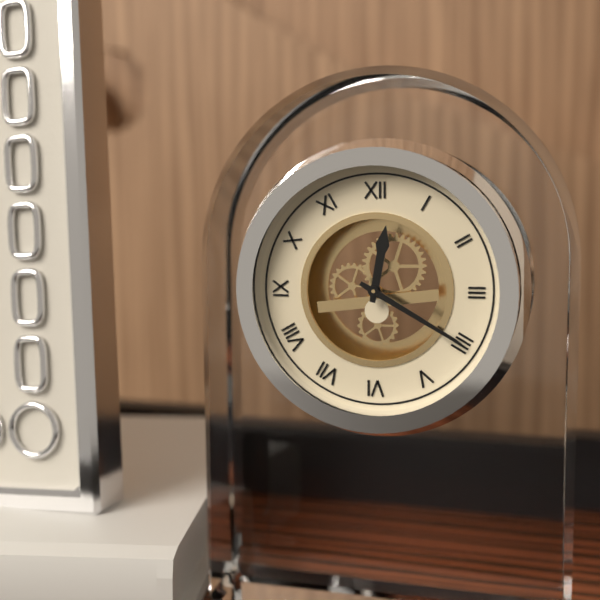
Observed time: 12h20
